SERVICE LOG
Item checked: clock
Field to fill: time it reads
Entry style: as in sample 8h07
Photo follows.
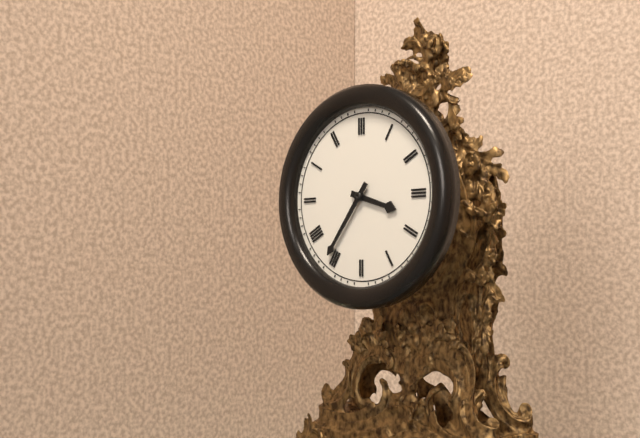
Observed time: 3h36
